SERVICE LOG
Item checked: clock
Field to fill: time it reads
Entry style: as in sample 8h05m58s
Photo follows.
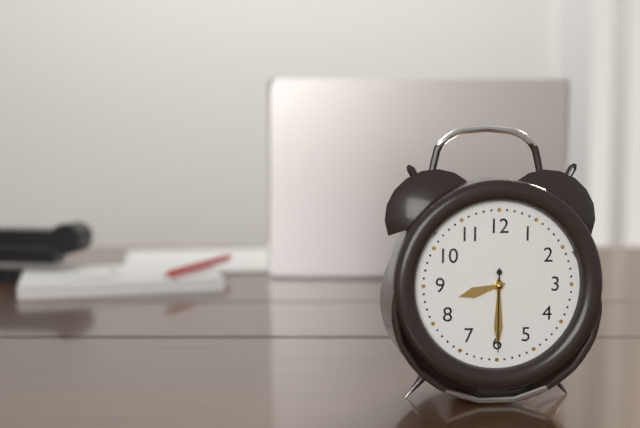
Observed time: 8h30m30s
